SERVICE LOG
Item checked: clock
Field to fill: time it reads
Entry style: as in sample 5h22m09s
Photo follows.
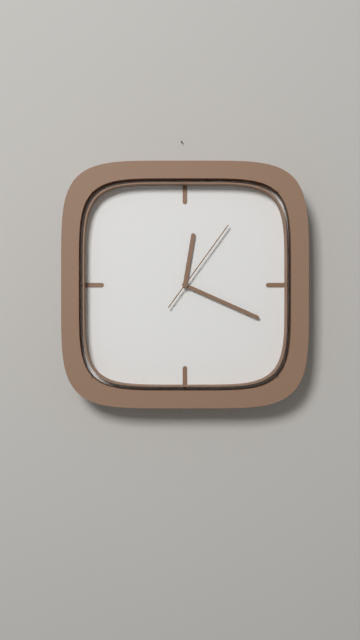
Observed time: 12h19m06s
